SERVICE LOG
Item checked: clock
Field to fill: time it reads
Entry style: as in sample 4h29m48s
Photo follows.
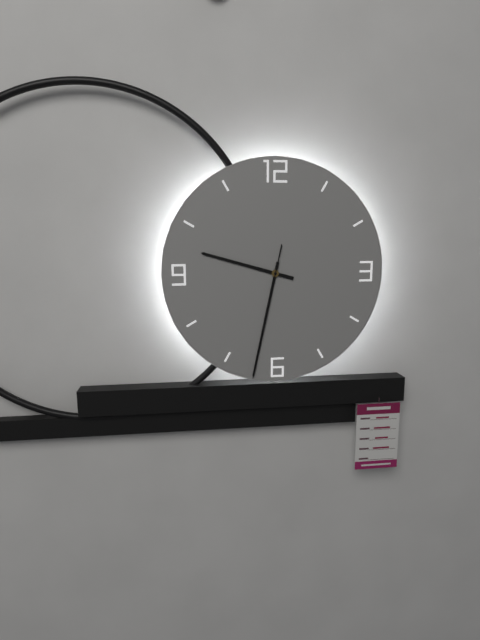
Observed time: 9h32m32s
